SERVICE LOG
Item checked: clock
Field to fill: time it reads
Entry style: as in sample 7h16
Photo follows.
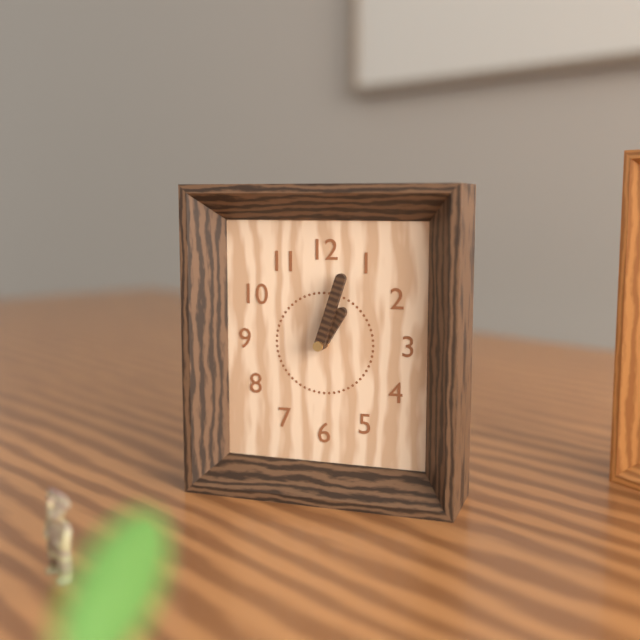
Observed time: 1h03
